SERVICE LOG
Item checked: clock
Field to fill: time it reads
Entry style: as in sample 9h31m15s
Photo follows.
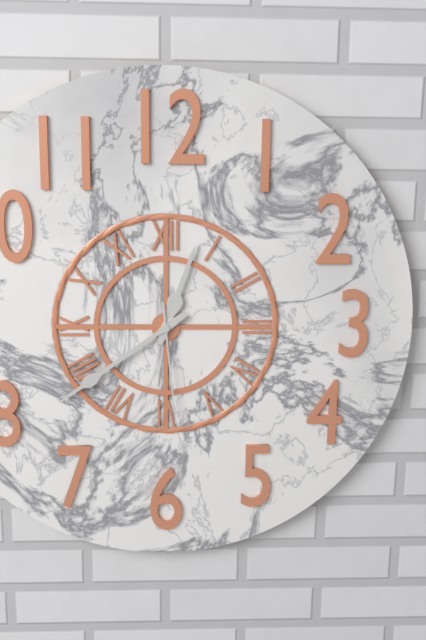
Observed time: 12h39m29s
